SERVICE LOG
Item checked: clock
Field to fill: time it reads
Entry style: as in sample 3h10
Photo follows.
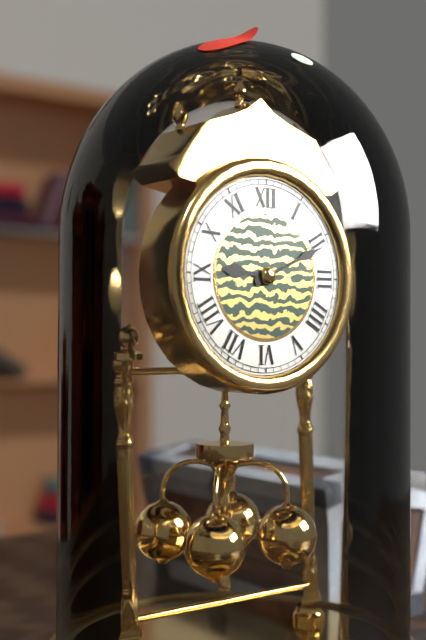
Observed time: 9h11
